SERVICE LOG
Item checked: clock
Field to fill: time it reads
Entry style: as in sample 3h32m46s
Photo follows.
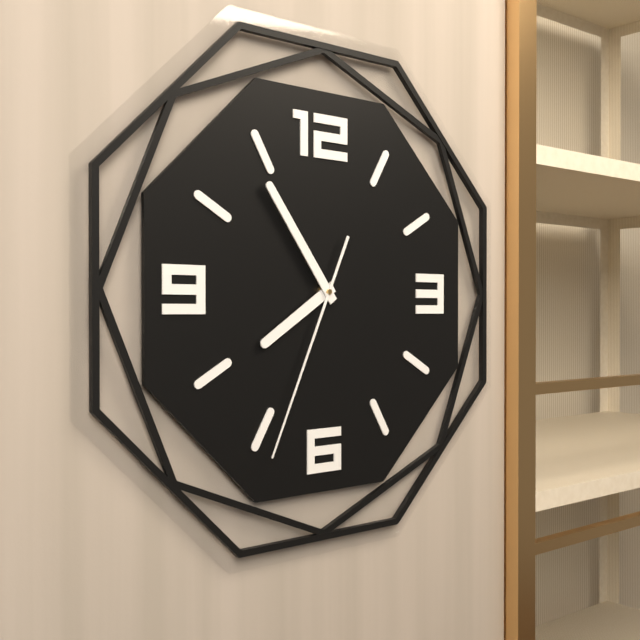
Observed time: 7h54m34s
